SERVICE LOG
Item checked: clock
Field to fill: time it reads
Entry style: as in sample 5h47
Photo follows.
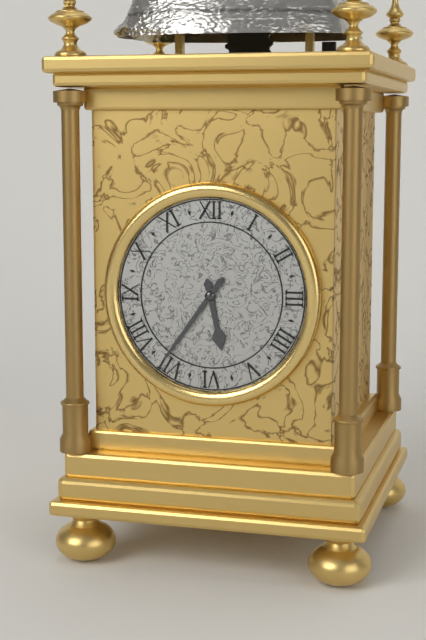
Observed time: 5h36
